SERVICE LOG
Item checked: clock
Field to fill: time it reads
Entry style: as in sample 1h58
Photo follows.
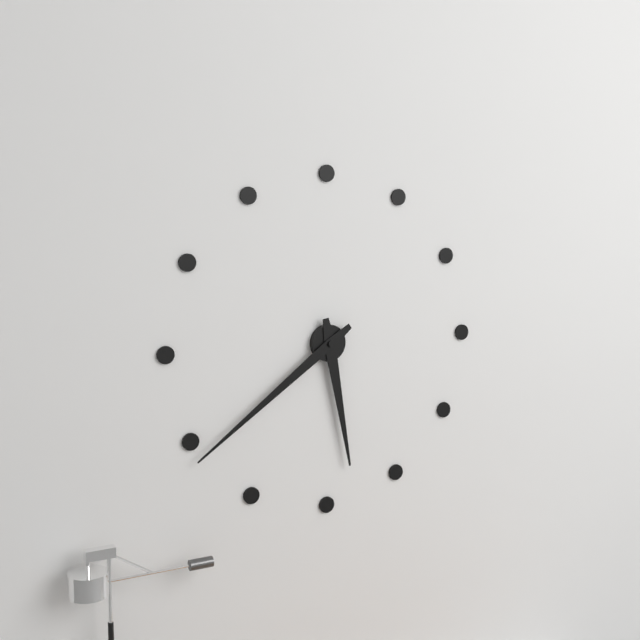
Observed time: 5h39
